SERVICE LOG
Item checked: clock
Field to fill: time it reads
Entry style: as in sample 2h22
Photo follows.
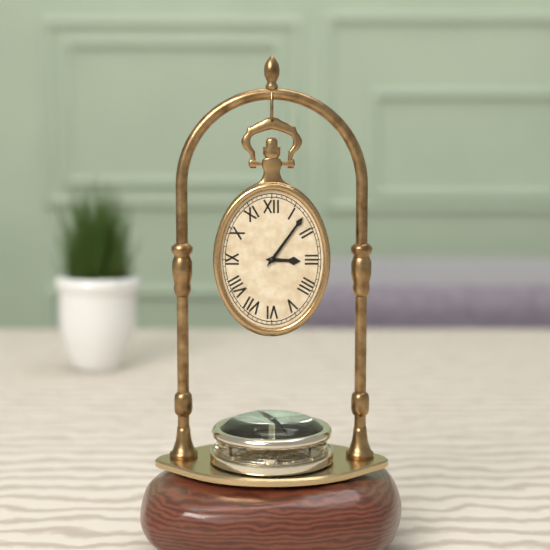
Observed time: 3h06
